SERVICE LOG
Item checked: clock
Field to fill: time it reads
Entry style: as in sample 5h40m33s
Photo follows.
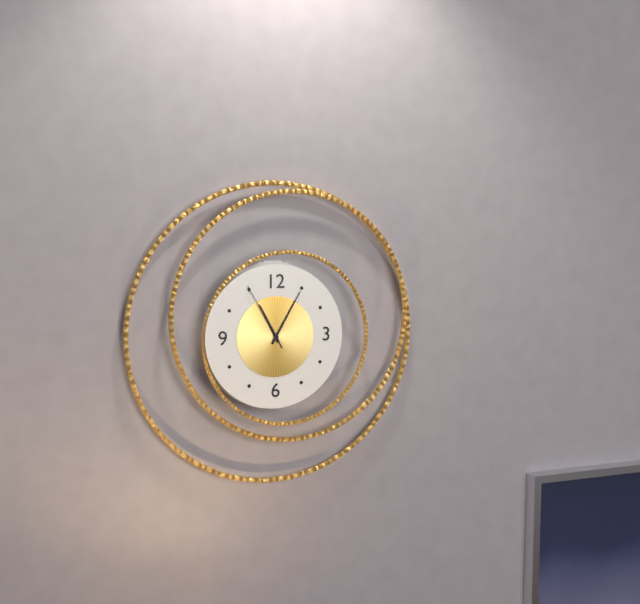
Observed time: 11h05m55s
